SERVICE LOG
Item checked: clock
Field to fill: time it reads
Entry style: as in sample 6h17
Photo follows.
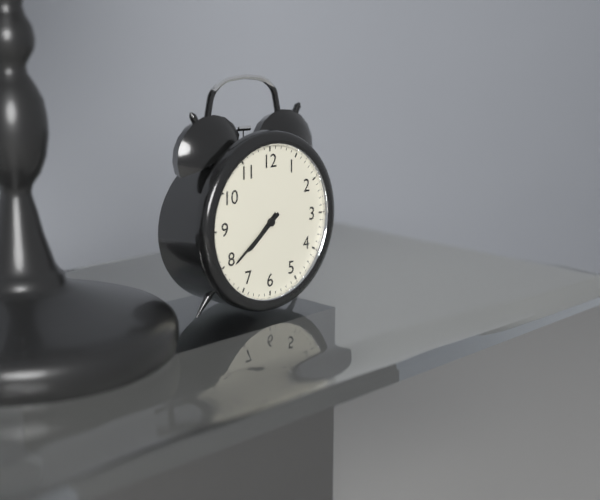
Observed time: 7h39
